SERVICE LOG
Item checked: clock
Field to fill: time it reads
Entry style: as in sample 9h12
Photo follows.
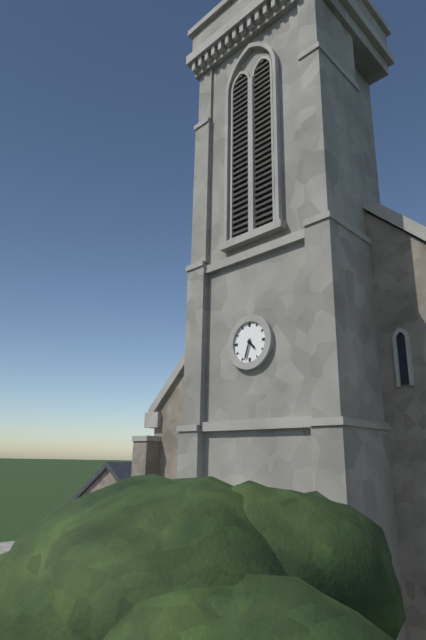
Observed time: 4h33
